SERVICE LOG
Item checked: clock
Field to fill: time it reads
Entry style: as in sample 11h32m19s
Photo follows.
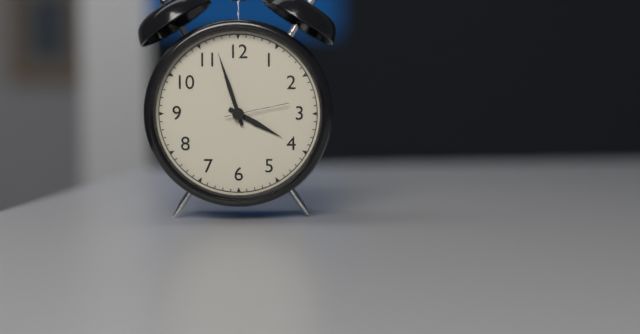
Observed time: 3h57m13s
